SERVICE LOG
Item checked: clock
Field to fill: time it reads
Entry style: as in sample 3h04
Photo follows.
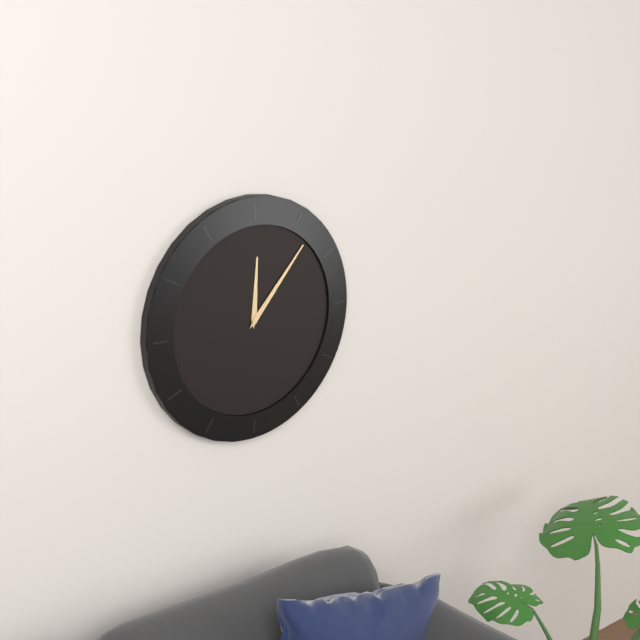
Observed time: 12h07
